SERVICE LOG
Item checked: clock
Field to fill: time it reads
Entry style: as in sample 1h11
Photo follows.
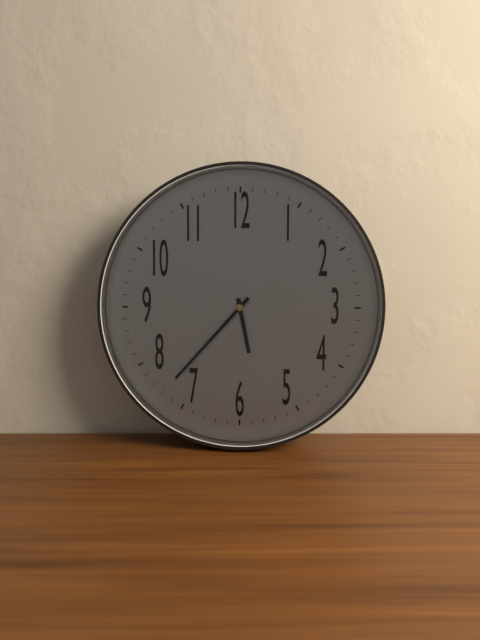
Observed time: 5h37
